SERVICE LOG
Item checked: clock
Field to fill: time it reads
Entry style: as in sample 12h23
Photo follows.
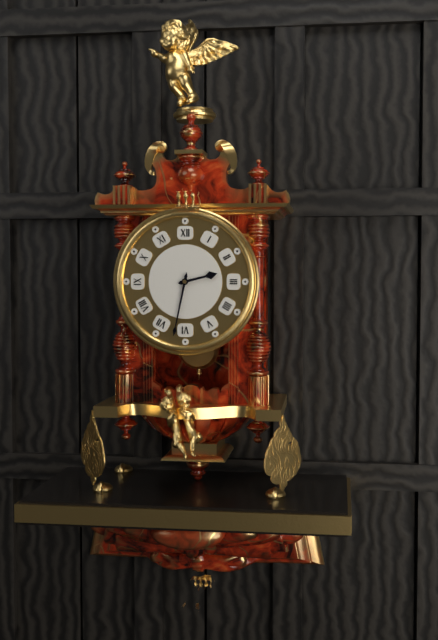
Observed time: 2h32
